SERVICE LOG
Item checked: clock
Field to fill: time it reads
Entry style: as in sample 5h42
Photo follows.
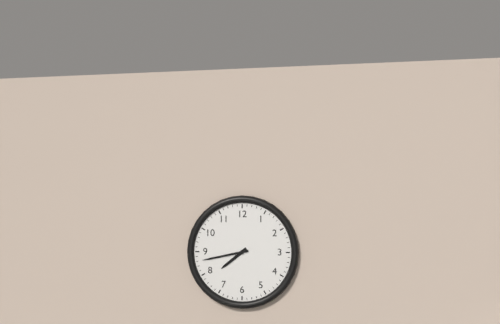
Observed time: 7h43
